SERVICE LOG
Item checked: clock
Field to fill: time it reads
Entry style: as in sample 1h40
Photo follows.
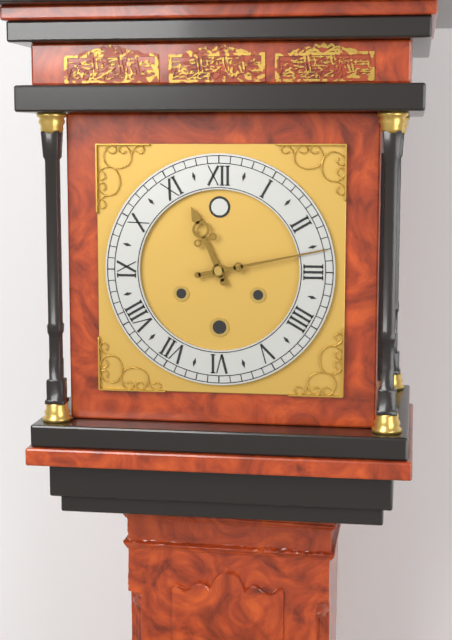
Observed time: 11h13
